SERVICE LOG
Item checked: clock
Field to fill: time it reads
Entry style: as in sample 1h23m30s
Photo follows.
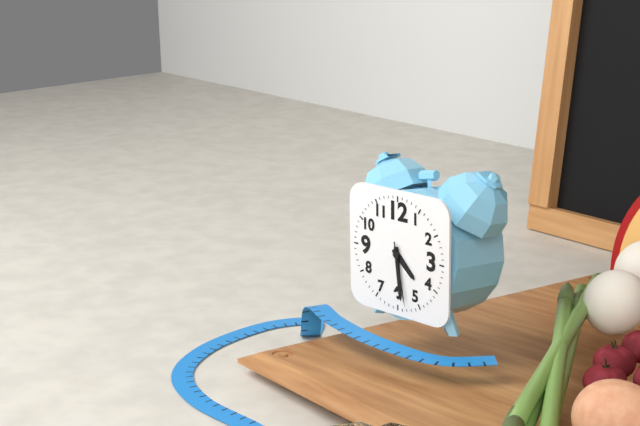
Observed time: 4h29m28s
